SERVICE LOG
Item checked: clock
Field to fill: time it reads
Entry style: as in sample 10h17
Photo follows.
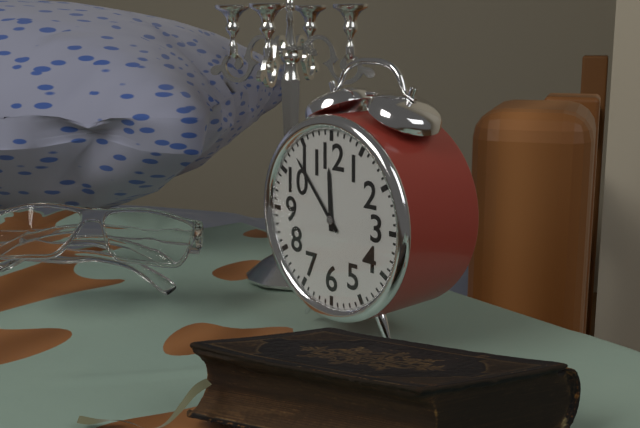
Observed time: 11h53
